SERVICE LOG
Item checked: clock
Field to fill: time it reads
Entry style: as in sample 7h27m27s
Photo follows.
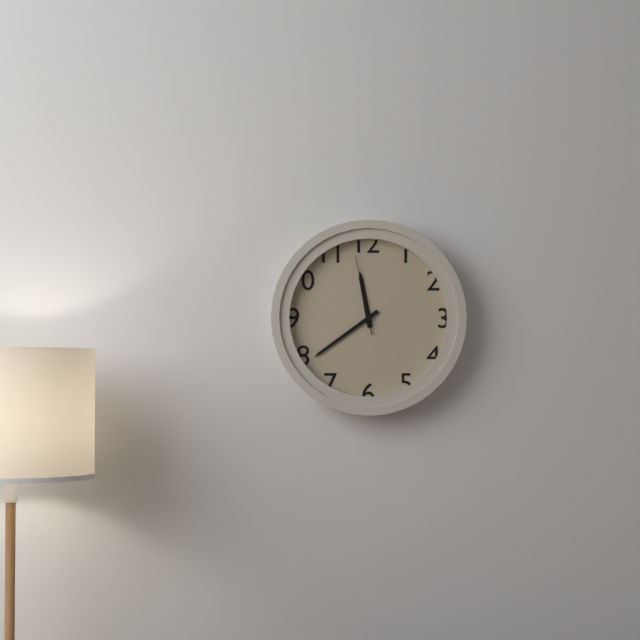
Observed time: 11h39m58s
